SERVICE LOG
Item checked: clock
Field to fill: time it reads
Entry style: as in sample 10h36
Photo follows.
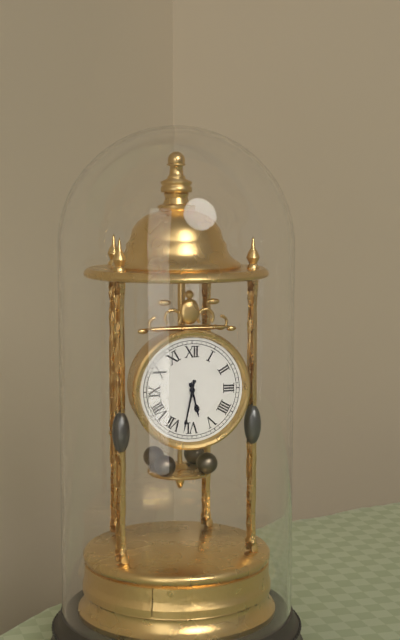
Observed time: 5h32
